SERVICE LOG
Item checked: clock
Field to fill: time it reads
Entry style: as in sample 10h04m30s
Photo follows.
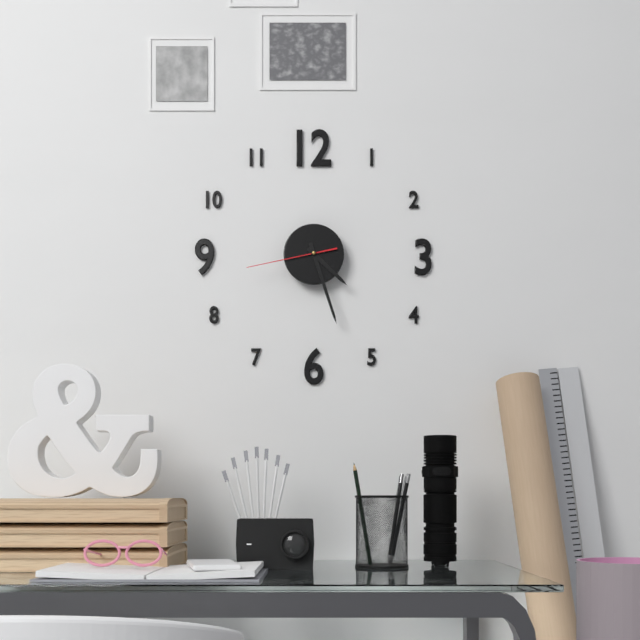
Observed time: 4h27m43s
